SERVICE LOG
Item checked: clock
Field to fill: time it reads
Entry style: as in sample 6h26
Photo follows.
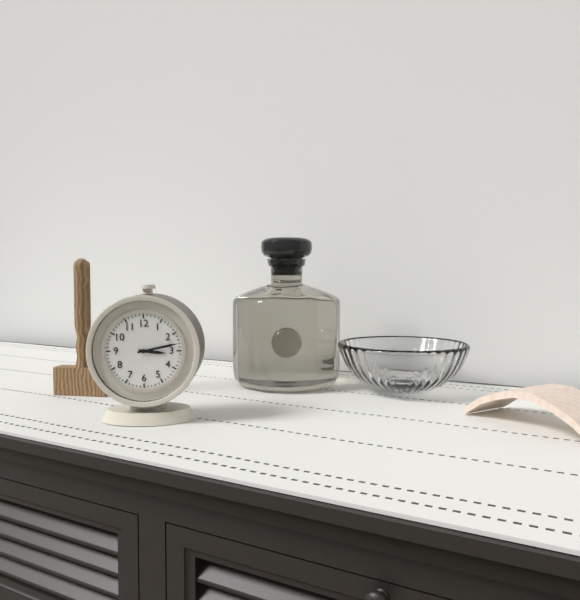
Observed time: 3h13
